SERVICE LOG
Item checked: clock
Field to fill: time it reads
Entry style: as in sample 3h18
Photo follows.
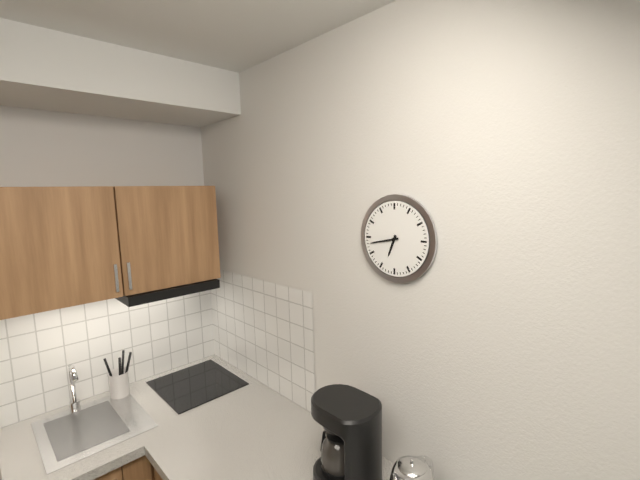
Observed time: 6h43
